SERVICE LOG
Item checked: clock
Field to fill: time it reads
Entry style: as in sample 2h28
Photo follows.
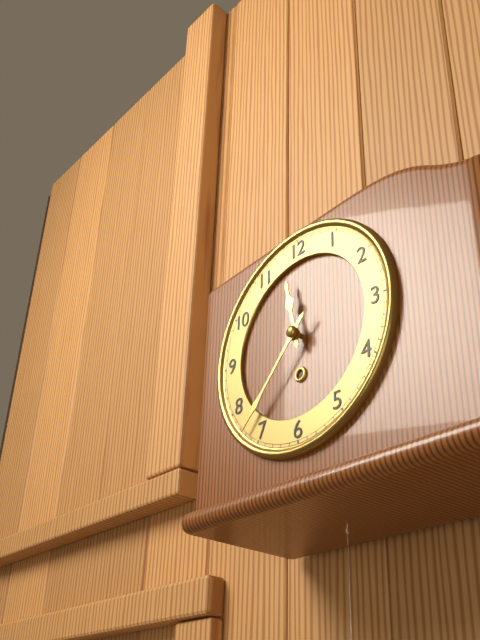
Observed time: 11h37
